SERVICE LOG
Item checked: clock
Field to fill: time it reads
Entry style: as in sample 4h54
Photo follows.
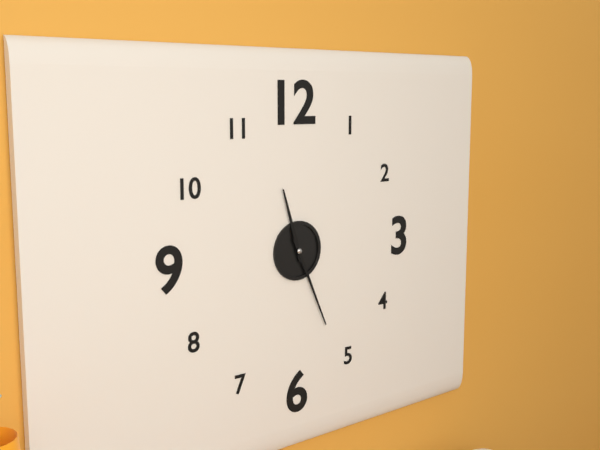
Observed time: 11h26
